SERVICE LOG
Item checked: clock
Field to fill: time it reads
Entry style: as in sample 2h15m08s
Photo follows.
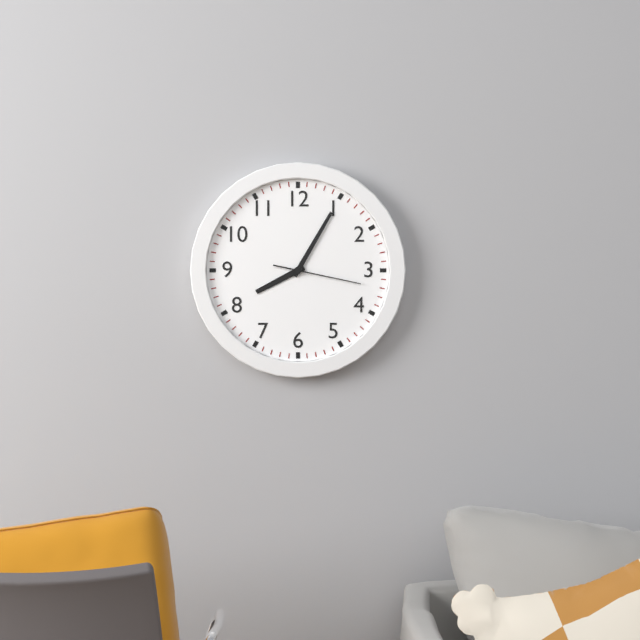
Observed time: 8h05m17s
